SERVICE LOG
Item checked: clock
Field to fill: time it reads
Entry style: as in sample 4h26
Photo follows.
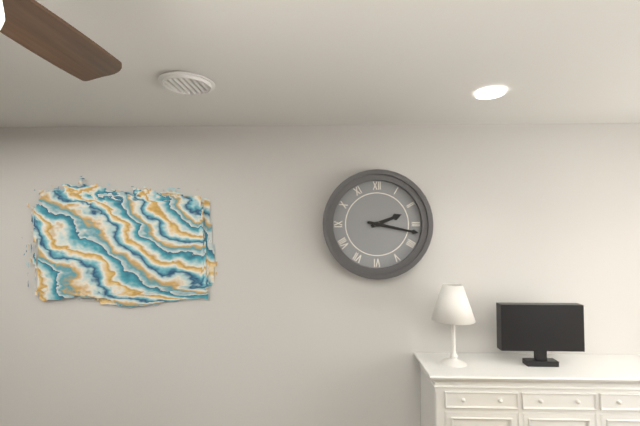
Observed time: 2h17
